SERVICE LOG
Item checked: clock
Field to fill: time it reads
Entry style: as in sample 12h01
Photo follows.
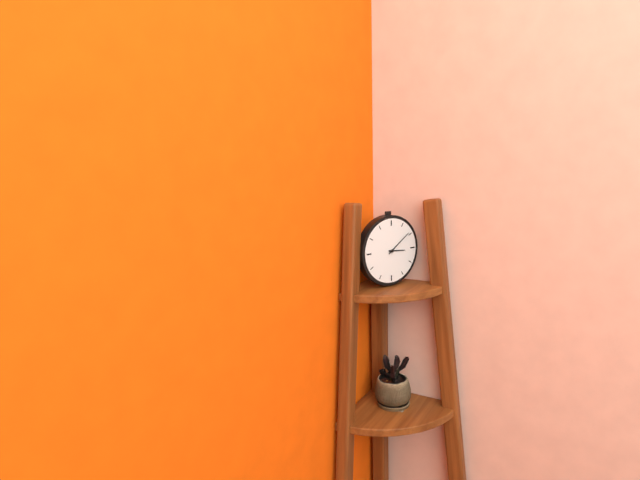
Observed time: 3h09
